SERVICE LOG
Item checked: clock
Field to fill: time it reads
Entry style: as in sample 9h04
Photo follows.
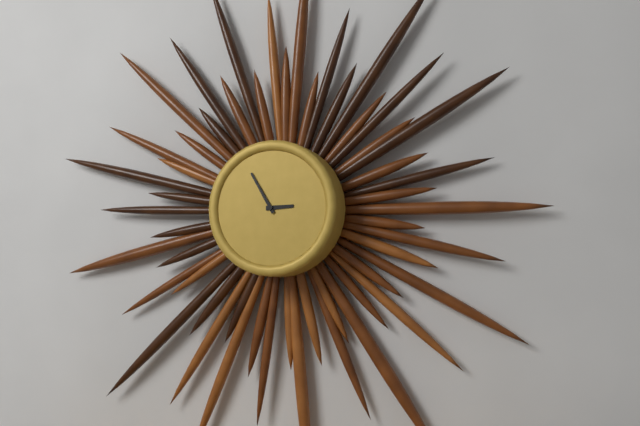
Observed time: 2h55
